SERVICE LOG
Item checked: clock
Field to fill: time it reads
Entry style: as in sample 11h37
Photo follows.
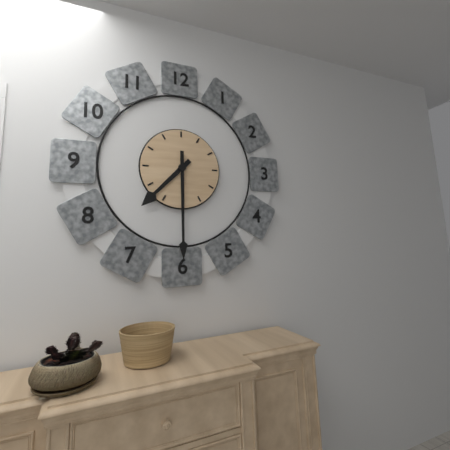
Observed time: 7h30
